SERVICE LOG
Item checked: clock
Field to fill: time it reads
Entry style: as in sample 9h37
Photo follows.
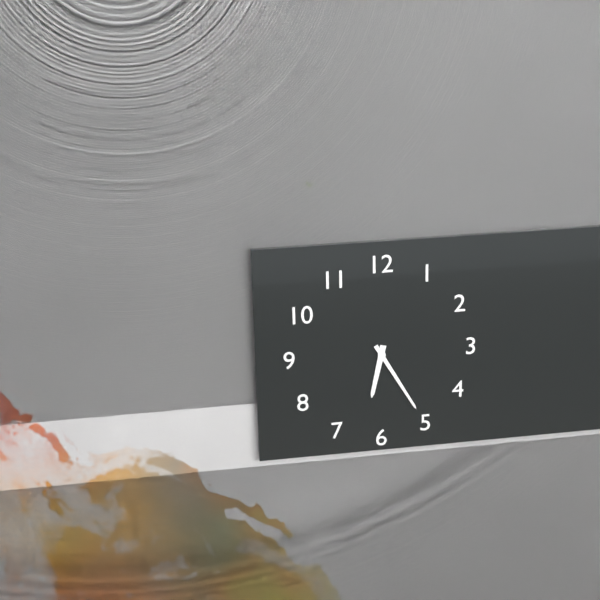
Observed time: 6h25
